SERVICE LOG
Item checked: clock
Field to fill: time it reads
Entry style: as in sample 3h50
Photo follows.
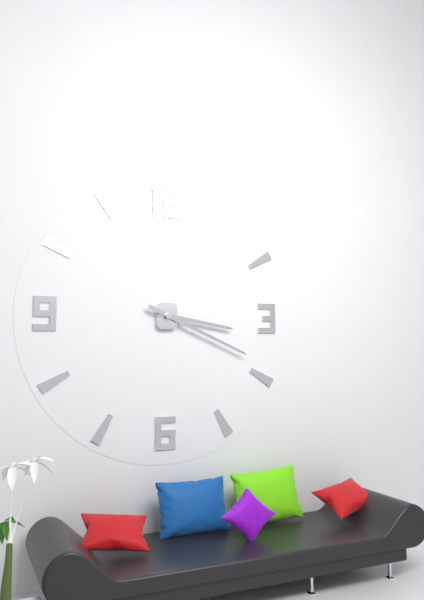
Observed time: 3h19
